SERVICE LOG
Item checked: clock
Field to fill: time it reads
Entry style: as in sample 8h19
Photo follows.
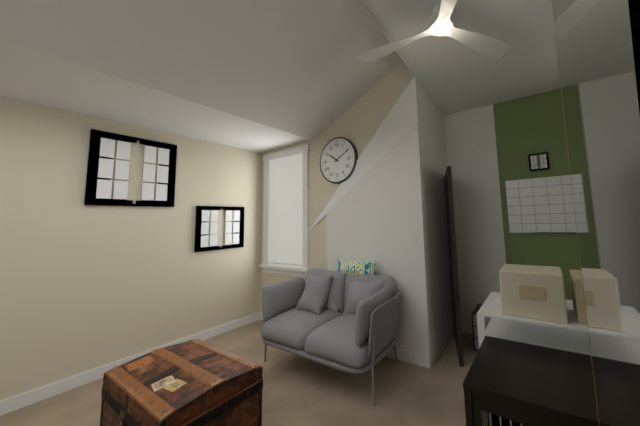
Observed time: 10h10
